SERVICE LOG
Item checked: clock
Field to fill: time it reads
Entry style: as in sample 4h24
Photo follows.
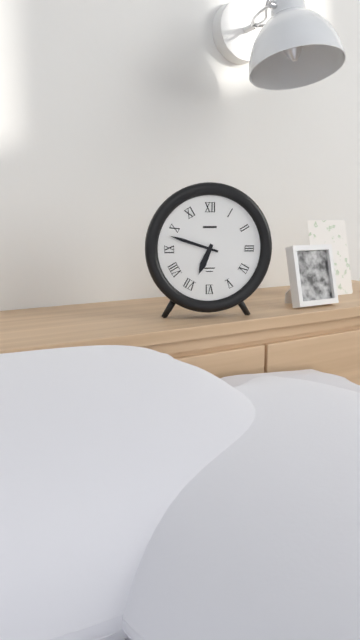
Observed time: 6h48
